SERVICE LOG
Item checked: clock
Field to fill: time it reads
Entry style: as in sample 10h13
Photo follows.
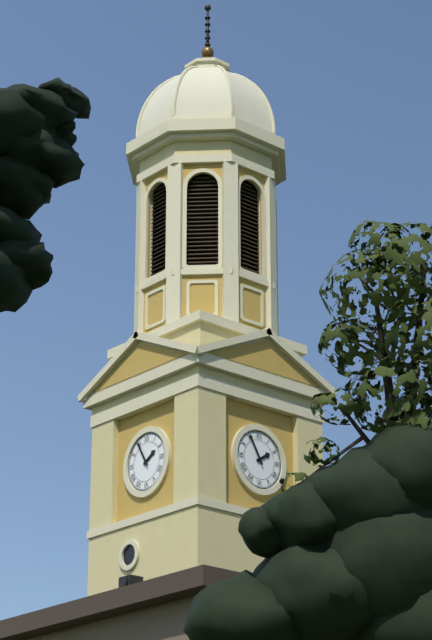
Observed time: 1h55
